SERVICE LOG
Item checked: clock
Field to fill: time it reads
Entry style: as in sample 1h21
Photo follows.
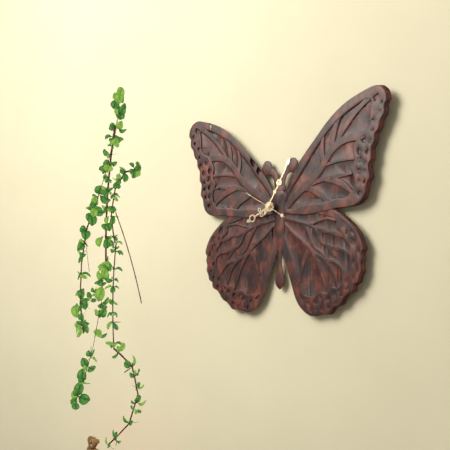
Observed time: 8h05
